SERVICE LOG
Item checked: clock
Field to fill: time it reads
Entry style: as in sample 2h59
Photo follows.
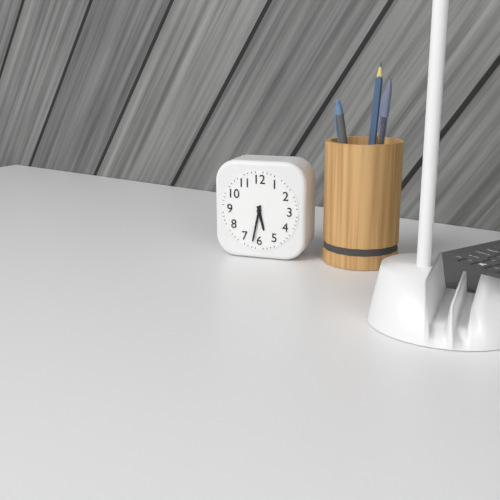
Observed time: 5h32
